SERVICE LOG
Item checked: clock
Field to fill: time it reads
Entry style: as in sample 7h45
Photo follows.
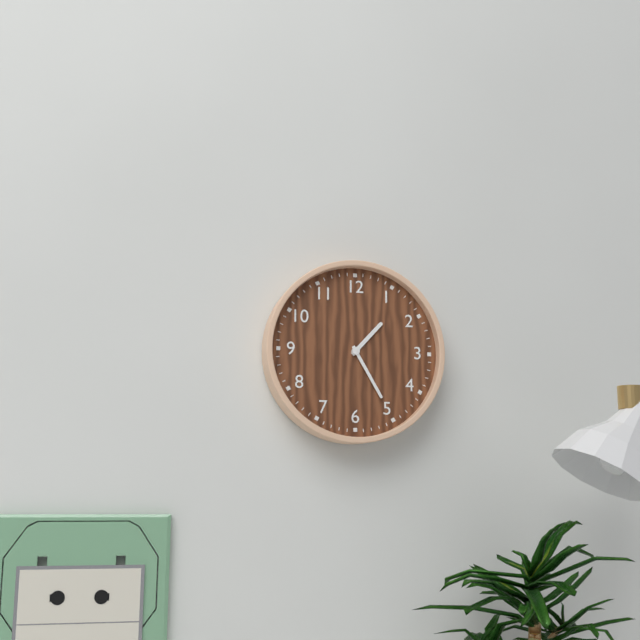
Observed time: 1h25
